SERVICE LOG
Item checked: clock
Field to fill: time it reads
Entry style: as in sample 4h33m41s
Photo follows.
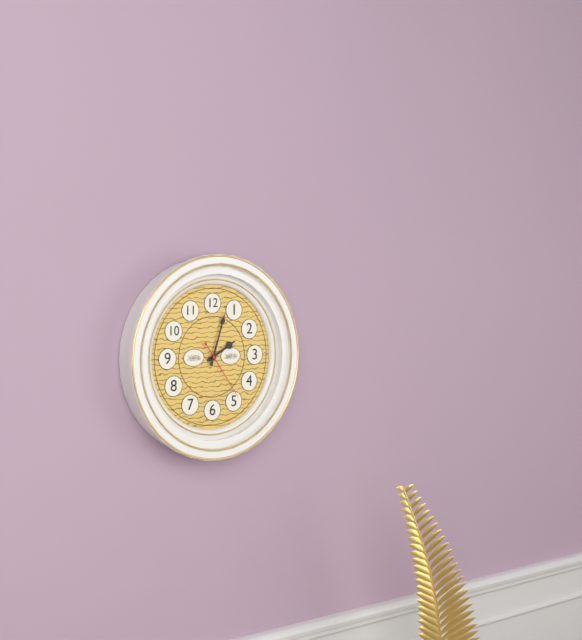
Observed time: 2h03m24s
